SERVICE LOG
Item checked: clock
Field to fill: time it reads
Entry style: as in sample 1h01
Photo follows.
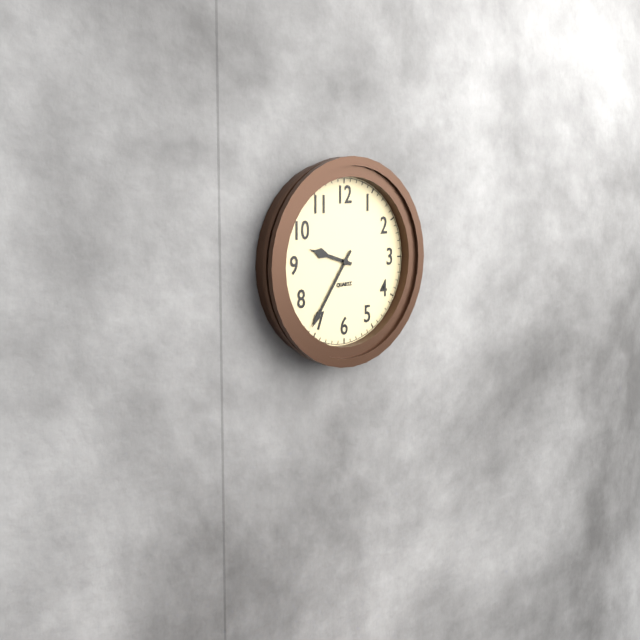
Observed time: 9h36
